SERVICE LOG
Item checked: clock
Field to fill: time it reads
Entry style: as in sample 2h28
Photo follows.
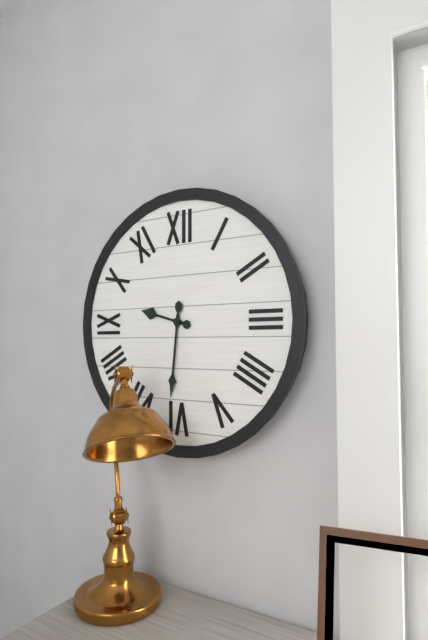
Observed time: 9h31
